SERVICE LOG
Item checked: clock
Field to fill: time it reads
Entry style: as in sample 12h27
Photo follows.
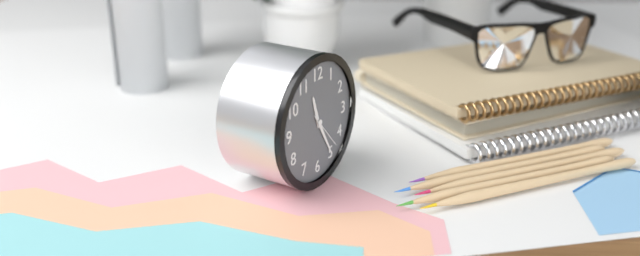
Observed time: 11h25
